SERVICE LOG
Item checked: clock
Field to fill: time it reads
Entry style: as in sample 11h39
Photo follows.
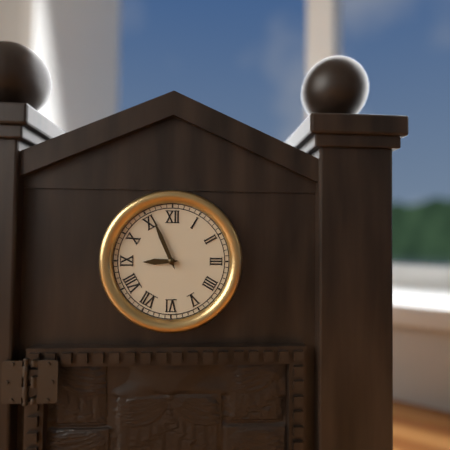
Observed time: 8h56
